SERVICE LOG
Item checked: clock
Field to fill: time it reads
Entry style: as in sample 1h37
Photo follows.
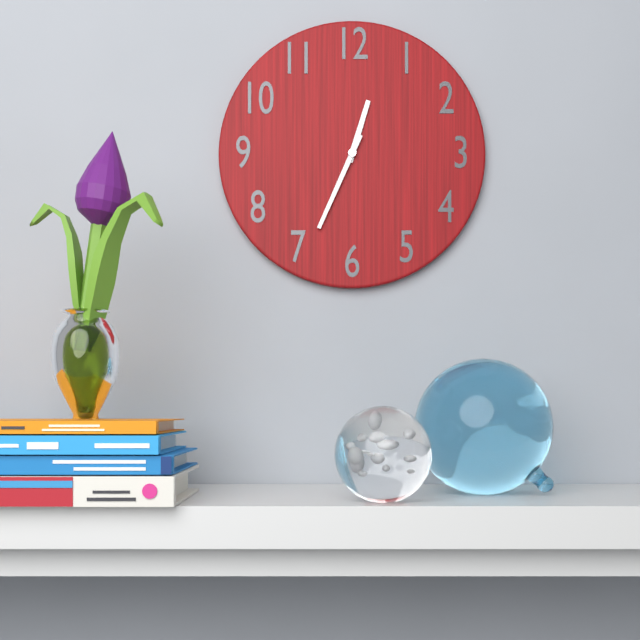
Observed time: 12h34
